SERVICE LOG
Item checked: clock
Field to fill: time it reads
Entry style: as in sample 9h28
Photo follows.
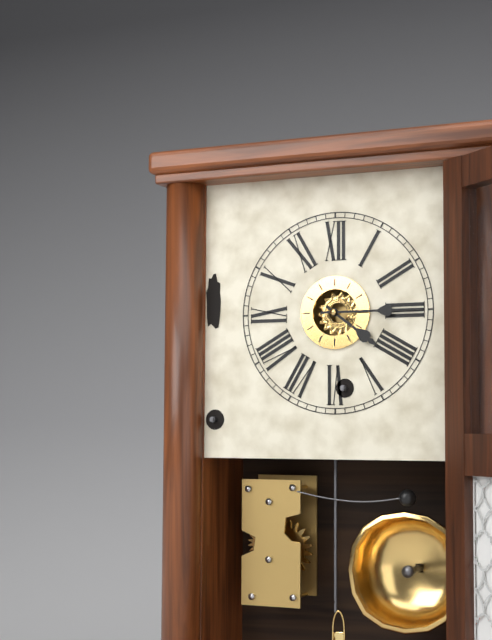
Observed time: 4h15
